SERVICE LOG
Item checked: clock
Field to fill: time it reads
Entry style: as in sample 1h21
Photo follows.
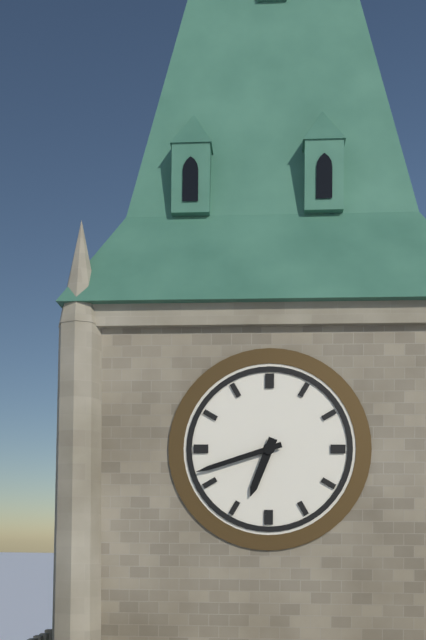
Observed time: 6h42
